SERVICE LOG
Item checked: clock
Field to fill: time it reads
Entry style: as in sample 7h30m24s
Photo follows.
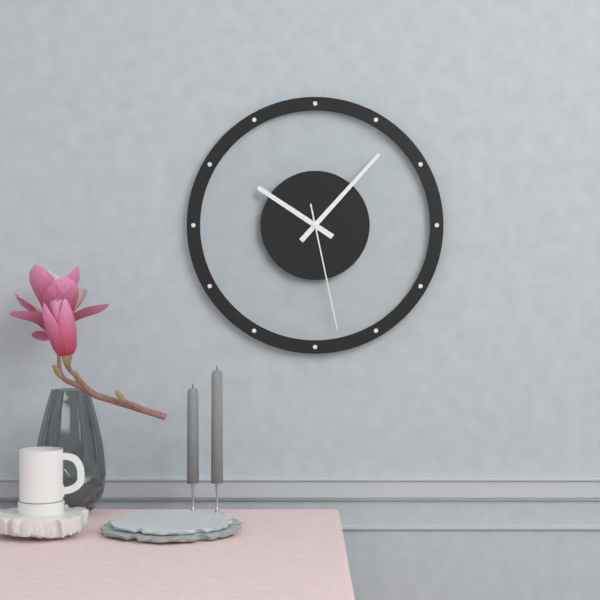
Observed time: 10h07m28s
